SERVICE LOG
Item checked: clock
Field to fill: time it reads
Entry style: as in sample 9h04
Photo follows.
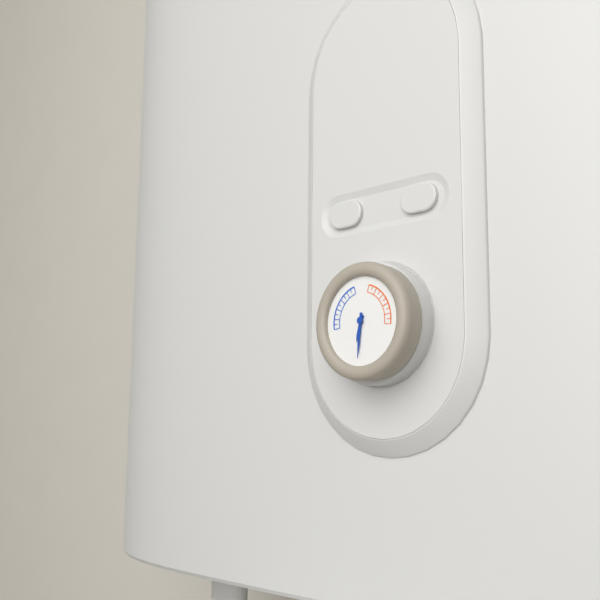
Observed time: 6h31
